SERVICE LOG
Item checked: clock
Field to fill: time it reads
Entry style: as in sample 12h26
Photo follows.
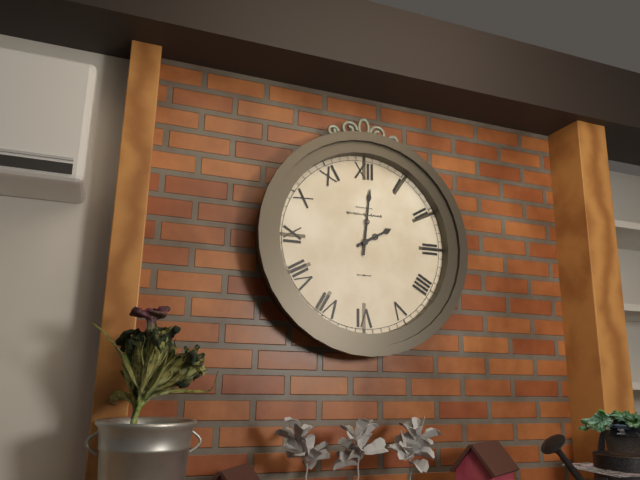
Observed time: 2h01
